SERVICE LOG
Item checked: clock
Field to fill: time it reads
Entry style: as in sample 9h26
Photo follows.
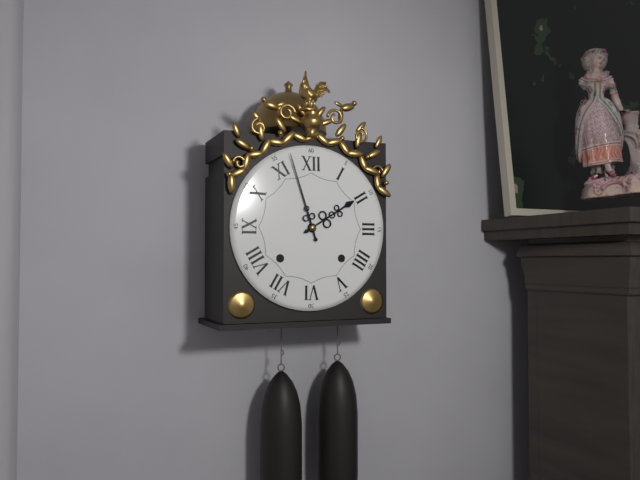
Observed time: 1h57
